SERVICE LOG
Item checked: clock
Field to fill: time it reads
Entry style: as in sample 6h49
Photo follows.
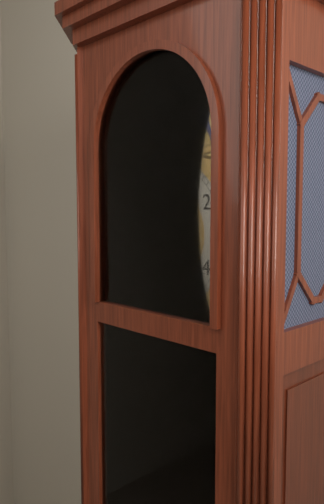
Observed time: 7h29
